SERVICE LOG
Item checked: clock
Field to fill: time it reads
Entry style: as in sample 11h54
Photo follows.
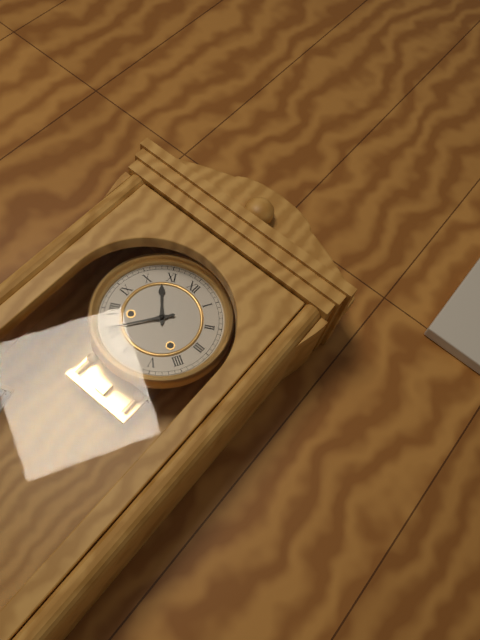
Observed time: 10h36
